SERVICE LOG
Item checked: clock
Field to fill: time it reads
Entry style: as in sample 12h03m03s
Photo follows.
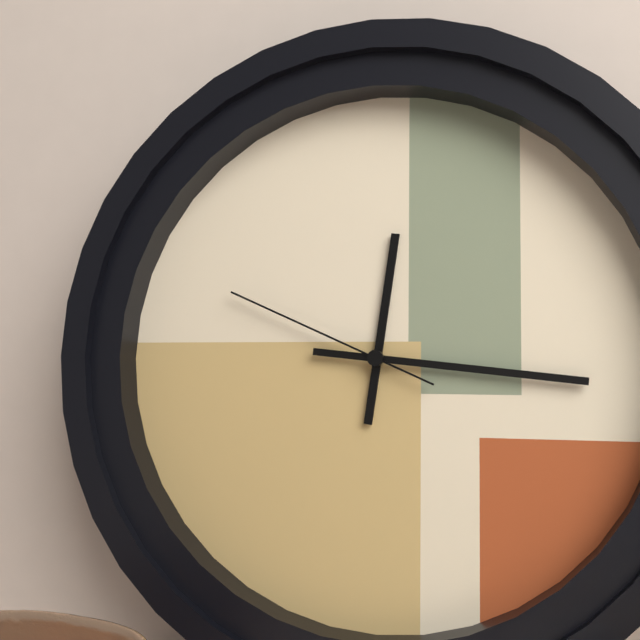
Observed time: 12h16m49s
